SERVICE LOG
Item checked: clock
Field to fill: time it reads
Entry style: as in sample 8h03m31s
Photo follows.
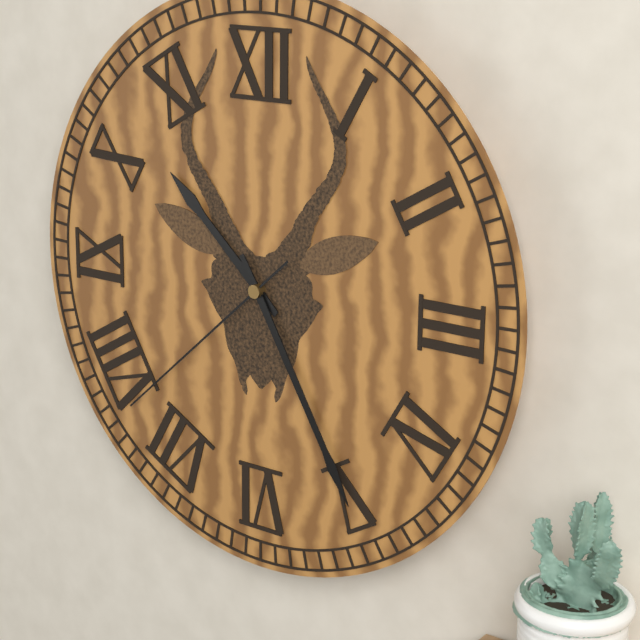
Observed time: 10h25m38s
